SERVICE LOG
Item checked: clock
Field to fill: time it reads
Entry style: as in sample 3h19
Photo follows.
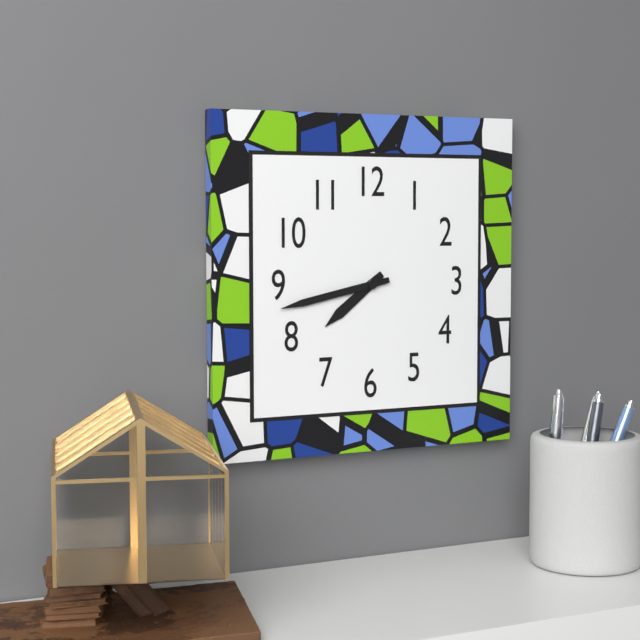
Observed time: 7h43
